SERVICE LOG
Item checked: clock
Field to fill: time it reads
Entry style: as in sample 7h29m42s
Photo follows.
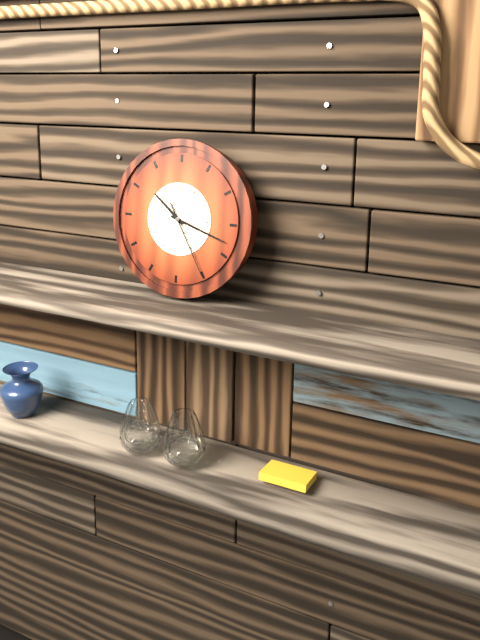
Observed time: 10h18m25s
